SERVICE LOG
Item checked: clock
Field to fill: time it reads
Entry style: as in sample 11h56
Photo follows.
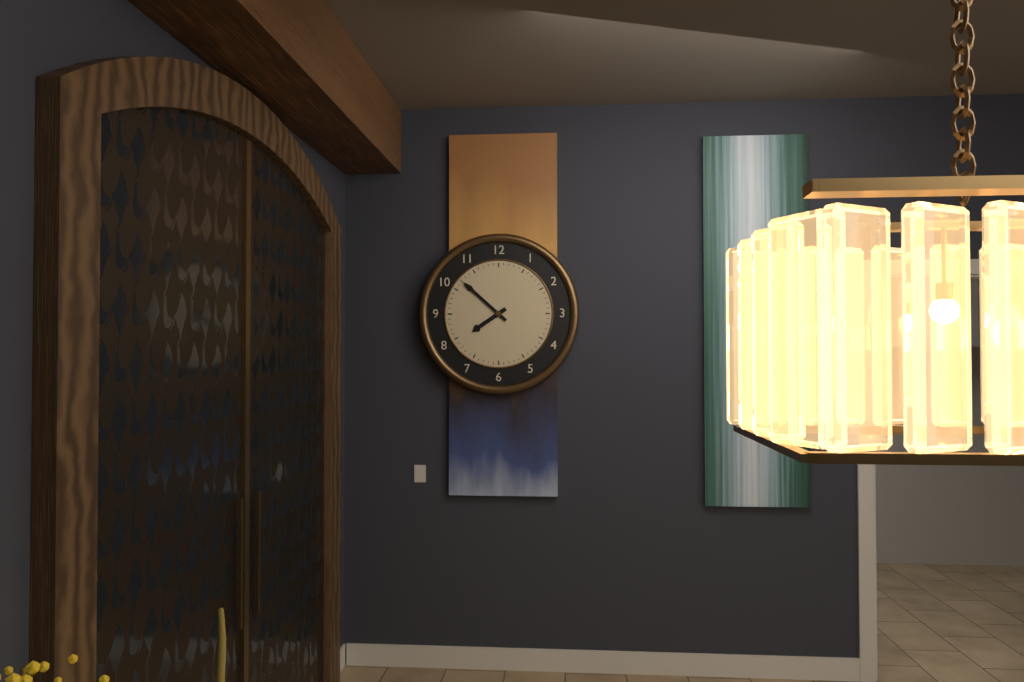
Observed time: 7h52
